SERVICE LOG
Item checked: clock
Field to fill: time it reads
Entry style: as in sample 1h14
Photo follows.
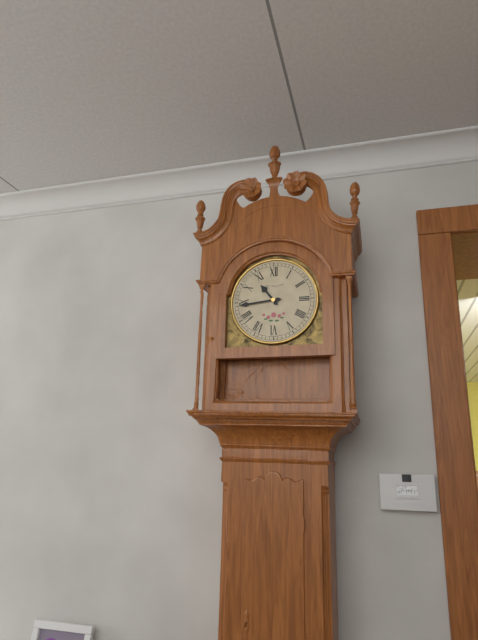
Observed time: 10h44
